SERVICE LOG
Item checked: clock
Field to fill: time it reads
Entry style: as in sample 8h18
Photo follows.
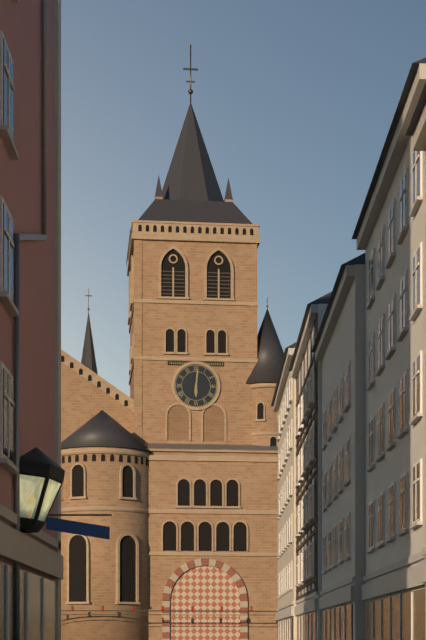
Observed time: 6h01
